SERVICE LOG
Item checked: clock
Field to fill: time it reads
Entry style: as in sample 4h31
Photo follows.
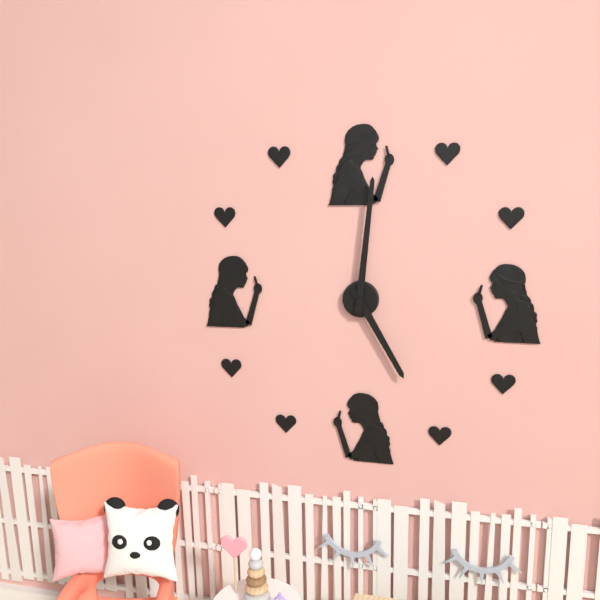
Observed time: 5h01
